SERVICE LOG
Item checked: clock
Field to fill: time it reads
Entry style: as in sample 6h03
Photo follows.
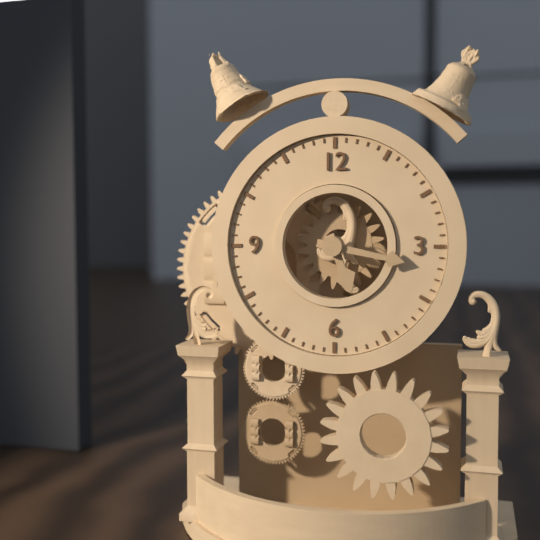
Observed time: 5h17
